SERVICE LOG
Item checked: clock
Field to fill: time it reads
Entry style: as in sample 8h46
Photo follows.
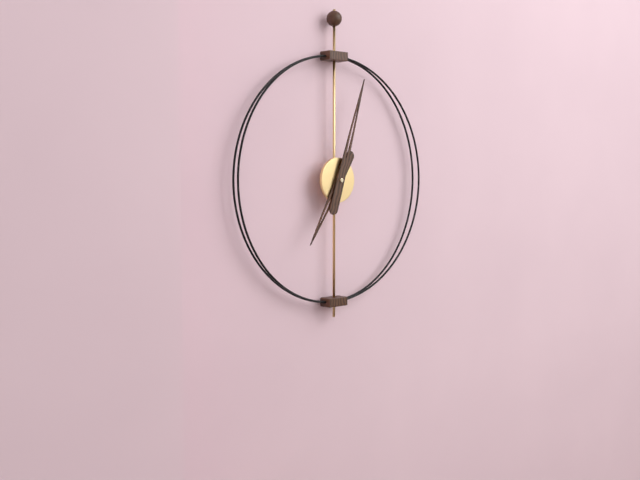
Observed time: 7h03
